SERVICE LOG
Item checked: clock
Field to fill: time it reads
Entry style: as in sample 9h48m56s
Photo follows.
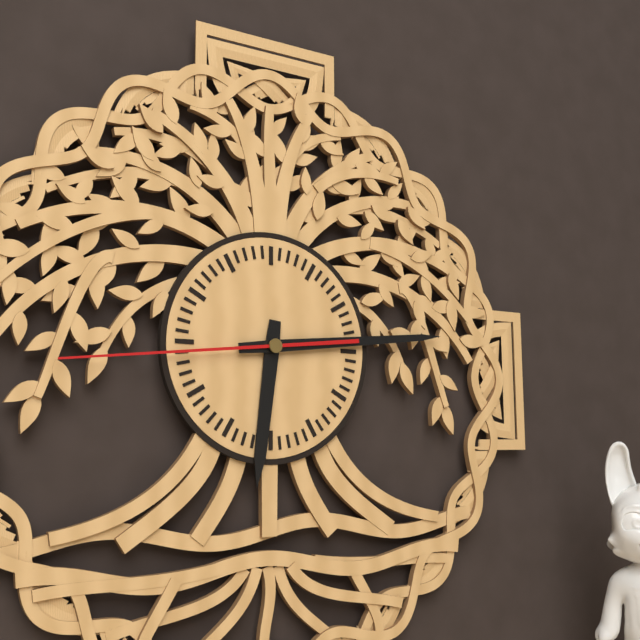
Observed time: 6h14m44s
